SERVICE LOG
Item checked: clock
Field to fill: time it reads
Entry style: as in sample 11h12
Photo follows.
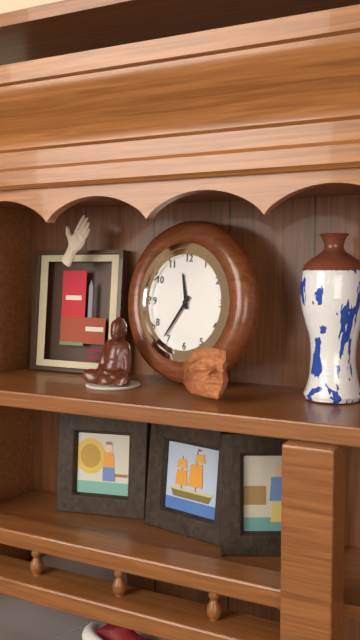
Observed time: 11h36
